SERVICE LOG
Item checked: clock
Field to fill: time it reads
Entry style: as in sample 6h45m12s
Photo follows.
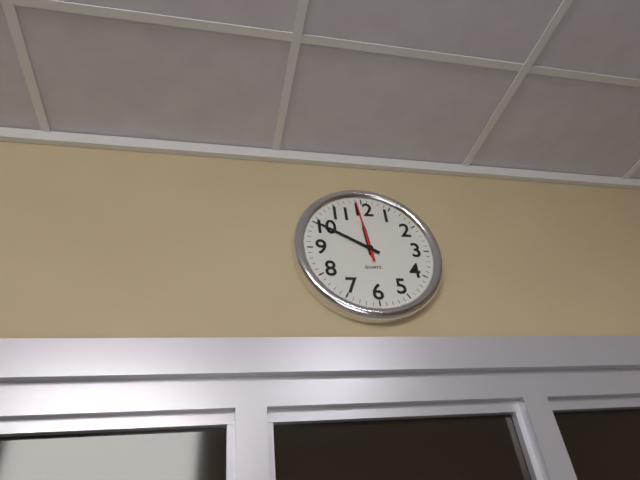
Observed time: 11h50m59s
